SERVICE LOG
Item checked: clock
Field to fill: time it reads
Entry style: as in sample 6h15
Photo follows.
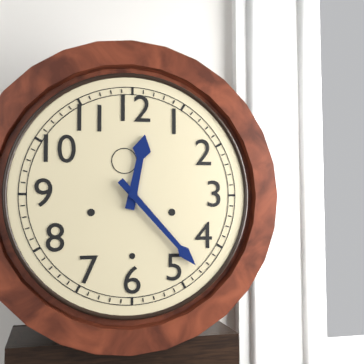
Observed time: 12h23
